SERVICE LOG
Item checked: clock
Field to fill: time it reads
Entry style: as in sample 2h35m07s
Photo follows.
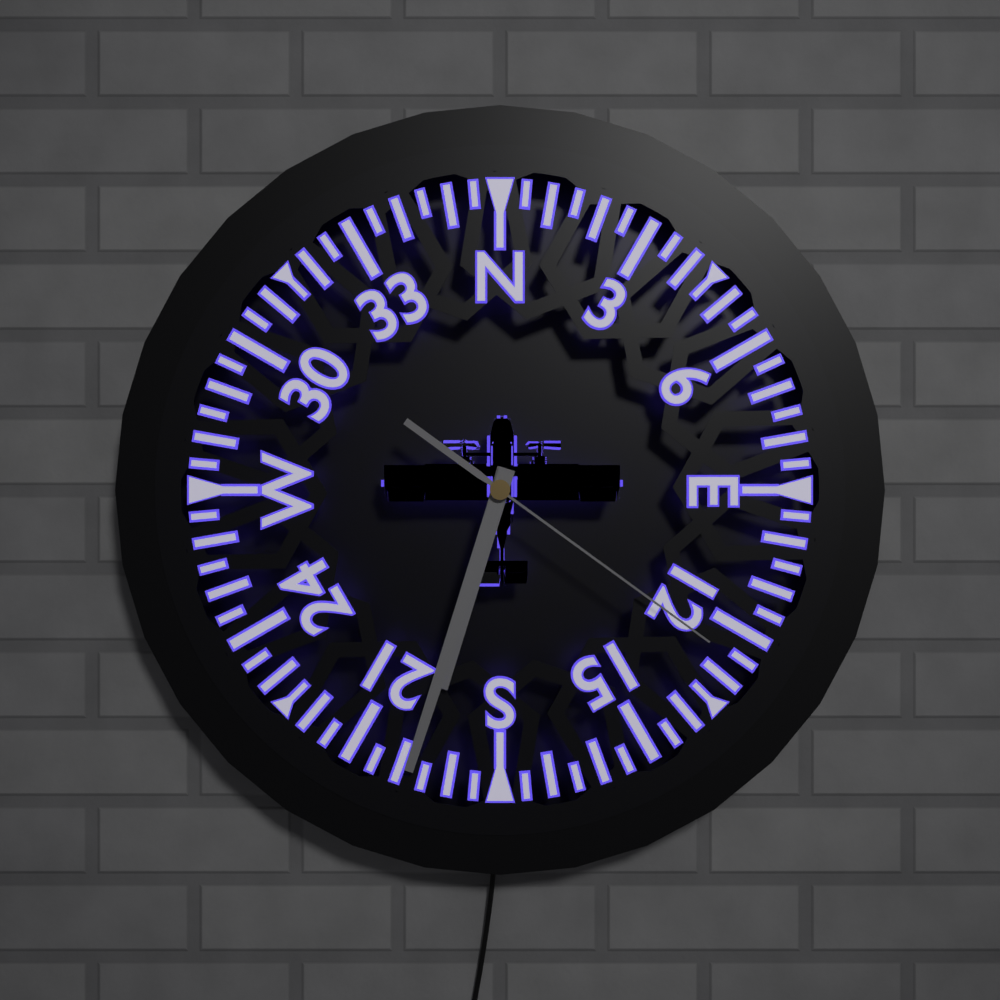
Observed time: 6h33m21s
